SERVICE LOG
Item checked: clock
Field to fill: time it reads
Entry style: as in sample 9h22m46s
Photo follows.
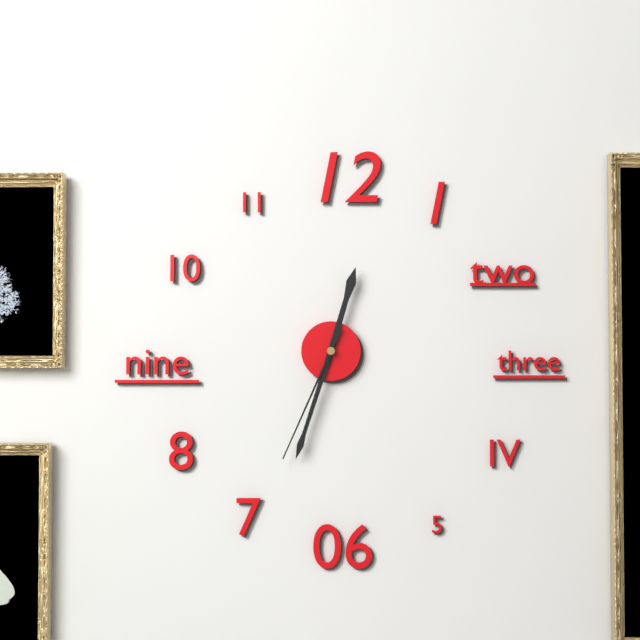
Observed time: 12h33m34s
